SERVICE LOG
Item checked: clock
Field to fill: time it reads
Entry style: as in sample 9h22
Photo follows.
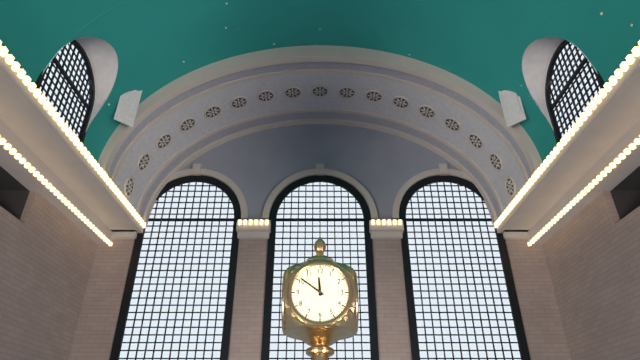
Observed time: 11h51
